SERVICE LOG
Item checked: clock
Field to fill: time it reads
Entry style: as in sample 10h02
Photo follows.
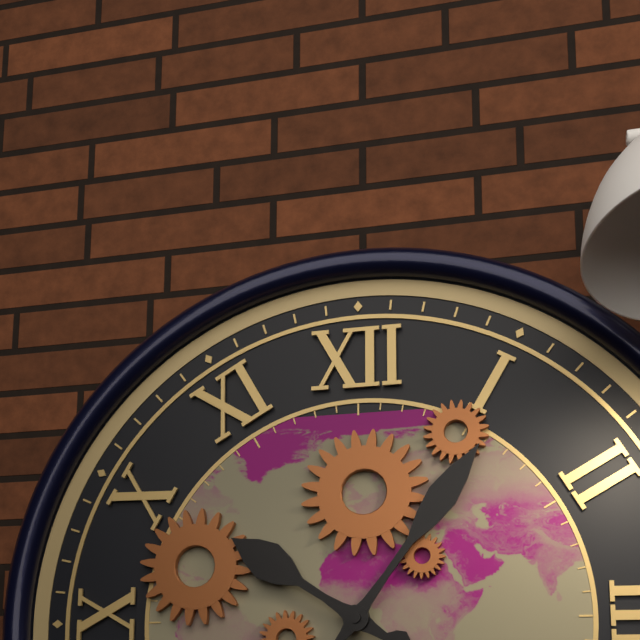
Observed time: 10h06
